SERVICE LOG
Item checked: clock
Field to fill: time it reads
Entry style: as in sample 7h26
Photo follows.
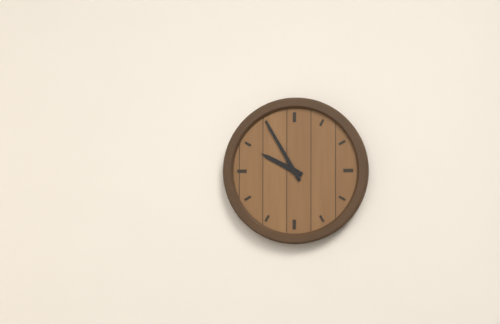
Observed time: 9h55
